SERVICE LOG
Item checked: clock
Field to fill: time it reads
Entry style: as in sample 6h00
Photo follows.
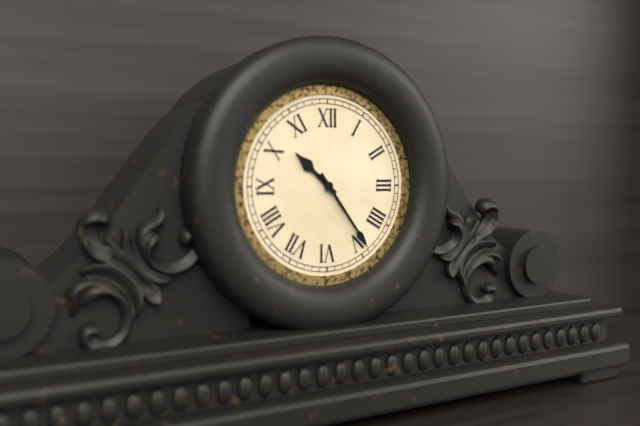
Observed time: 10h24
